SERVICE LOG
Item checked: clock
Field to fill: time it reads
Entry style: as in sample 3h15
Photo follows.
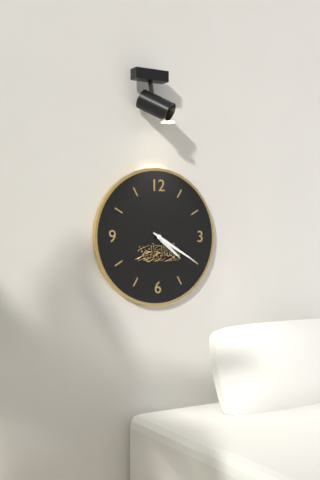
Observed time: 4h20
